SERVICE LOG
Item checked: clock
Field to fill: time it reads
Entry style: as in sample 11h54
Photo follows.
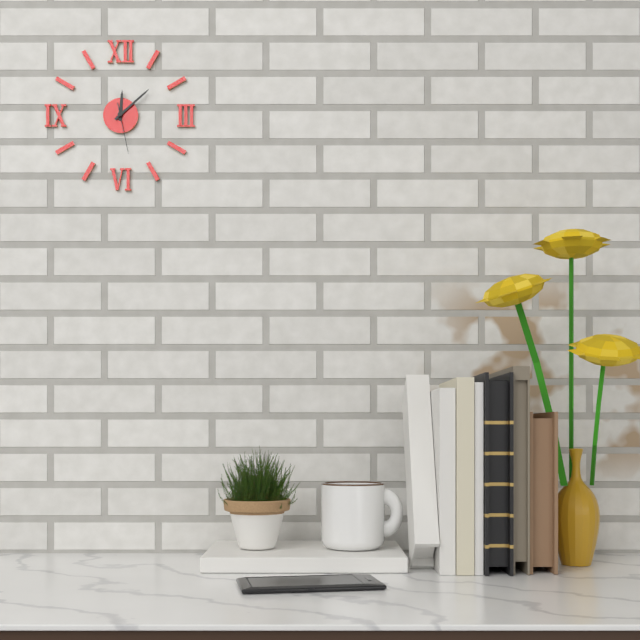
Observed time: 12h08
